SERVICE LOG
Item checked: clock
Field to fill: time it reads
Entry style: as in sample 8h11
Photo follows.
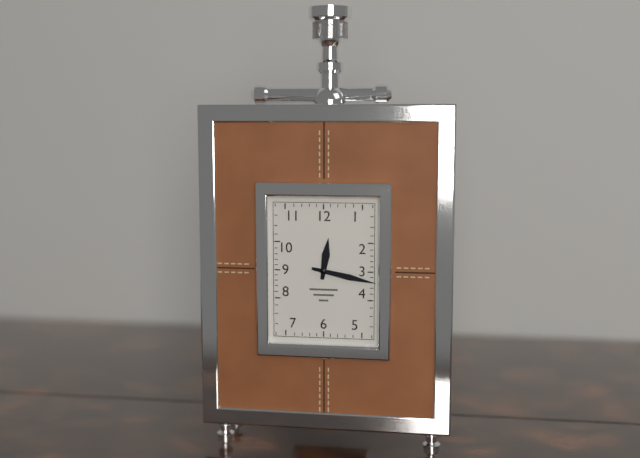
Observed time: 12h17
